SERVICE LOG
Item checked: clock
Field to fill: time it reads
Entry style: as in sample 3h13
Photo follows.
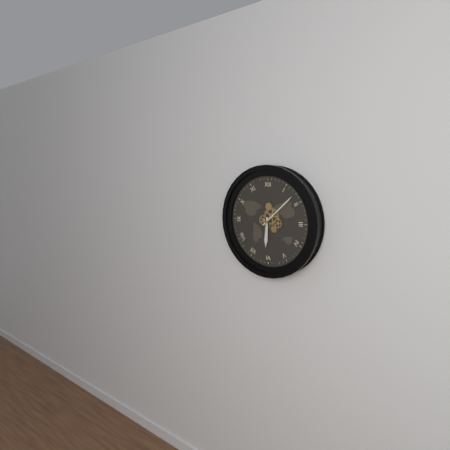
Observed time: 6h08
